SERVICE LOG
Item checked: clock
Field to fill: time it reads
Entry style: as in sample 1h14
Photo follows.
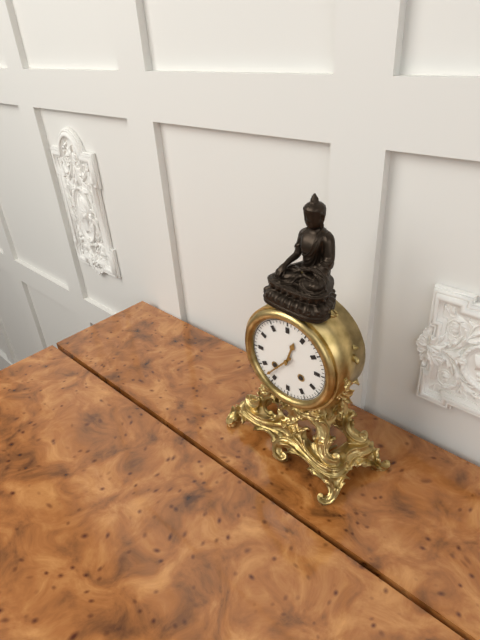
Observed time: 12h37
